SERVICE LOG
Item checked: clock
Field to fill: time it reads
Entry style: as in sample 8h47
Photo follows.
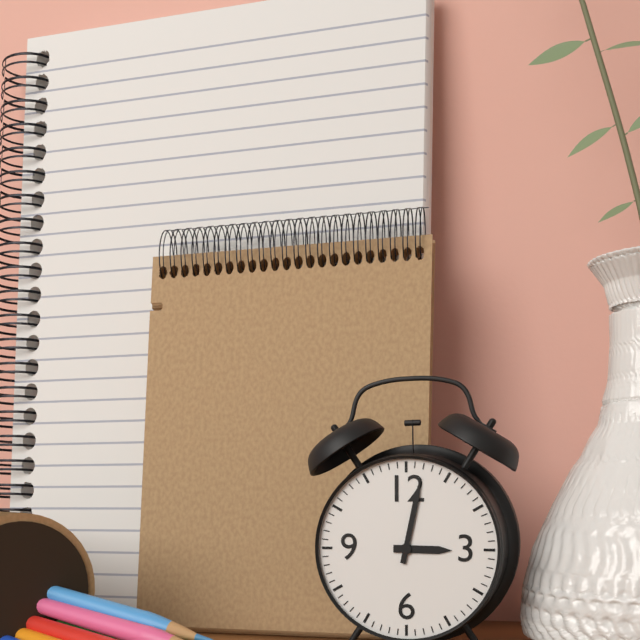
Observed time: 3h02
